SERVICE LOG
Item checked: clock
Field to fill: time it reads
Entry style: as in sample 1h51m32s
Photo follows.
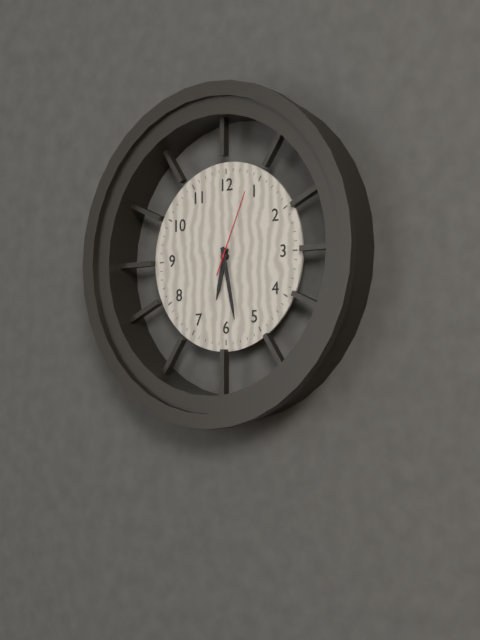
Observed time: 6h28m04s
